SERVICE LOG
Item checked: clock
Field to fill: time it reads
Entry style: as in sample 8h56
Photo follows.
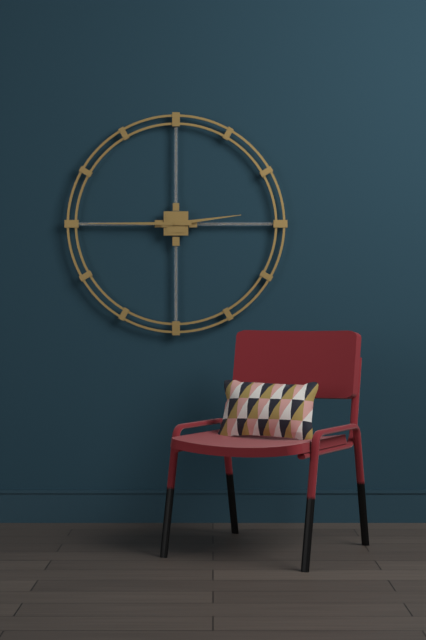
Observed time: 2h45
